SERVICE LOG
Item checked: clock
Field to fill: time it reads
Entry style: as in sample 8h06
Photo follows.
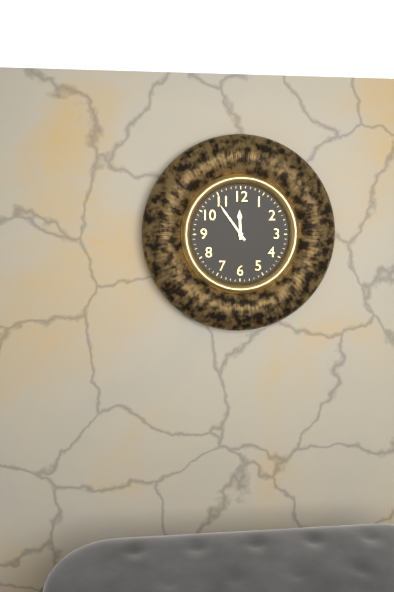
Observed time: 11h54
